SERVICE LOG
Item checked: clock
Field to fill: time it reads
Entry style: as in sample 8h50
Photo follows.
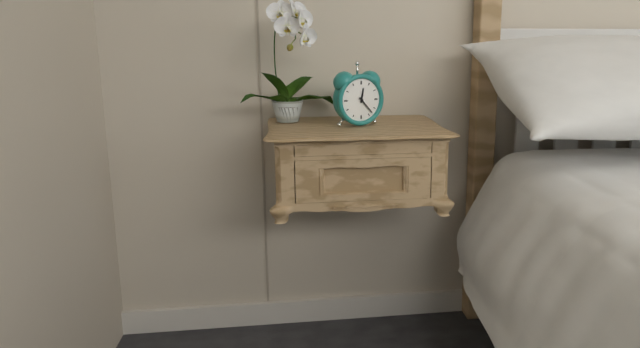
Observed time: 12h23
